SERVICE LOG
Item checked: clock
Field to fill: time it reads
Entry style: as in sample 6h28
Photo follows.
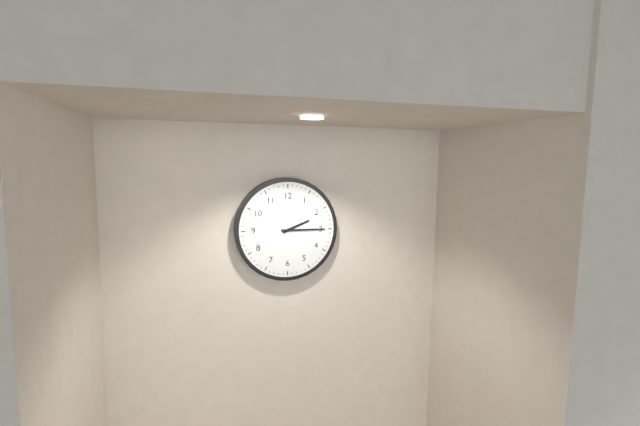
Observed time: 2h15
